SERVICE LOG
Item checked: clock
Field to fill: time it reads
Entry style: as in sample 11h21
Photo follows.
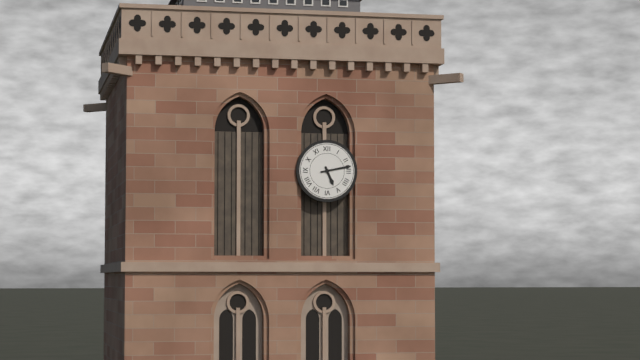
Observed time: 5h13
